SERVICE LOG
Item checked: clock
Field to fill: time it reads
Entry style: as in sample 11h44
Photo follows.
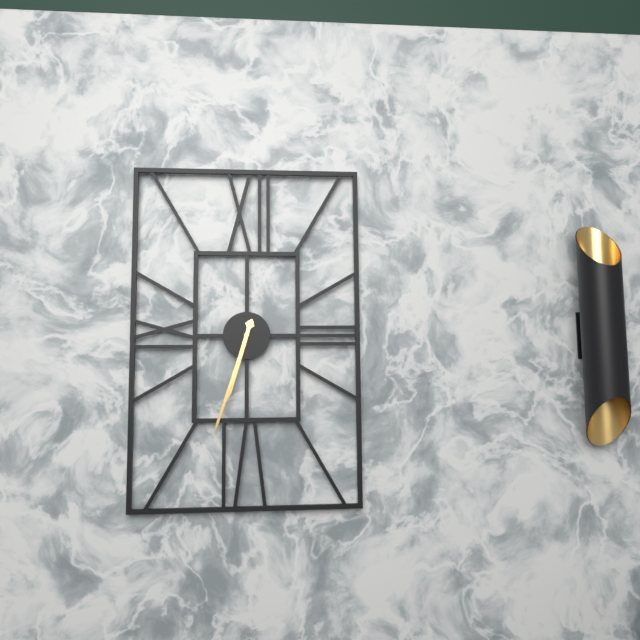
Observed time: 6h33
